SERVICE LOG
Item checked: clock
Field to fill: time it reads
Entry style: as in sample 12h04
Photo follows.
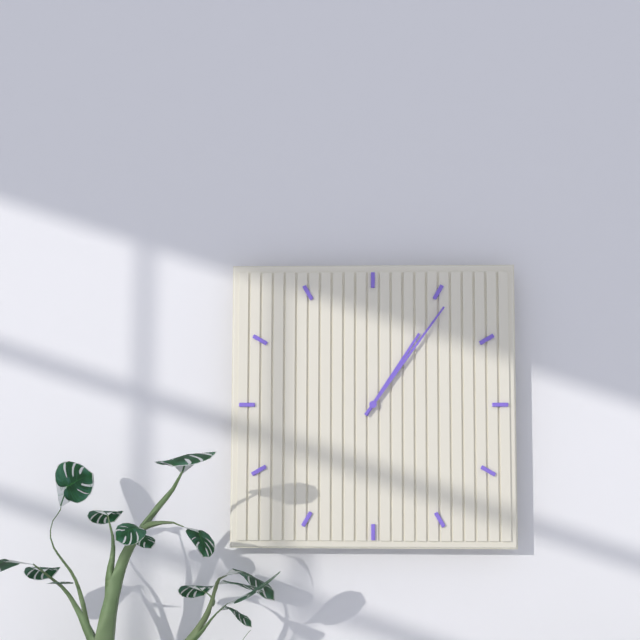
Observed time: 1h06
